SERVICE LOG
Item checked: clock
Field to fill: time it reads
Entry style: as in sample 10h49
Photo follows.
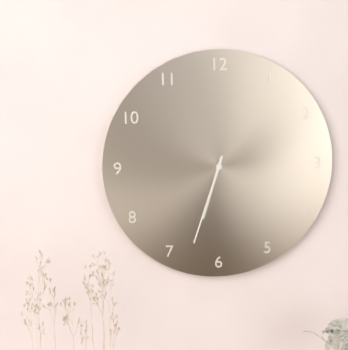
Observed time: 6h33
